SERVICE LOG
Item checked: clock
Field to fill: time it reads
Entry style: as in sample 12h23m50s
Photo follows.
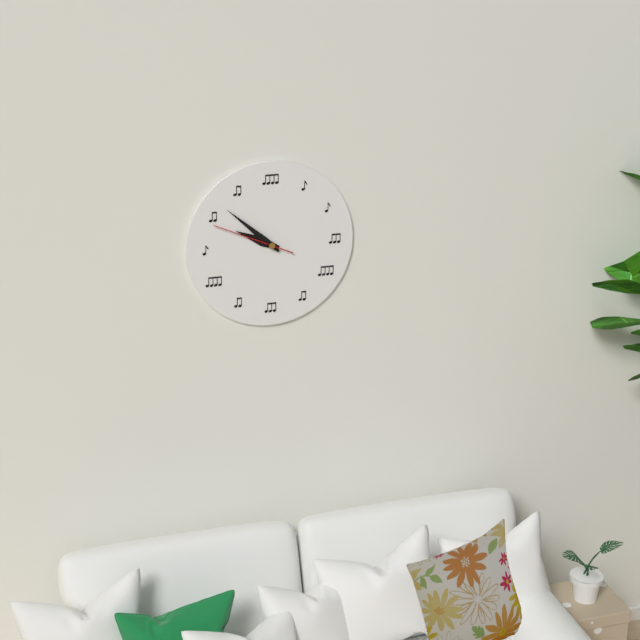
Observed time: 9h52m49s
